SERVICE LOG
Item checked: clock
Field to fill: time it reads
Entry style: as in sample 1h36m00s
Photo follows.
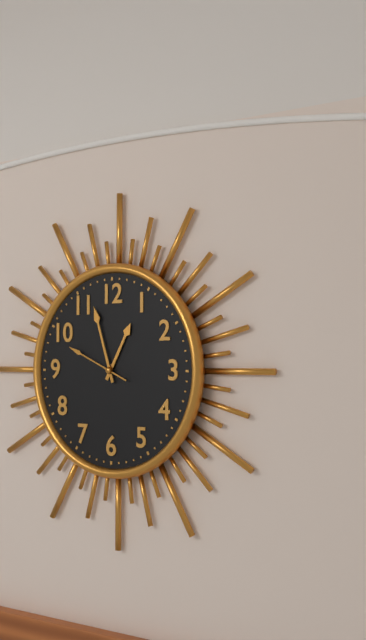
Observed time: 12h57m49s
